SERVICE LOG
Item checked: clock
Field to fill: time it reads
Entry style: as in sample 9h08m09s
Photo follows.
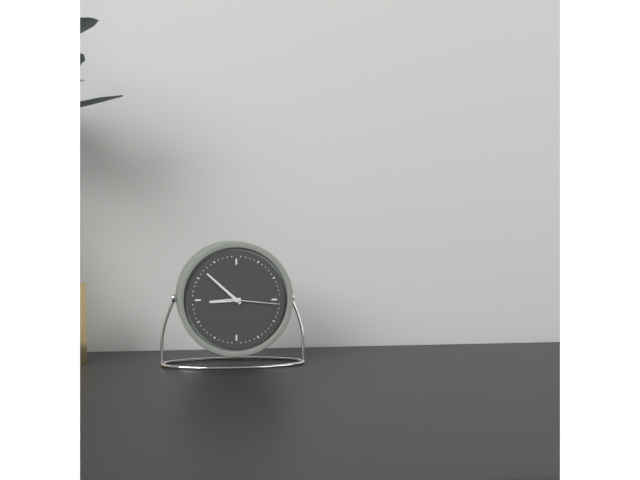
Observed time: 8h52m16s
